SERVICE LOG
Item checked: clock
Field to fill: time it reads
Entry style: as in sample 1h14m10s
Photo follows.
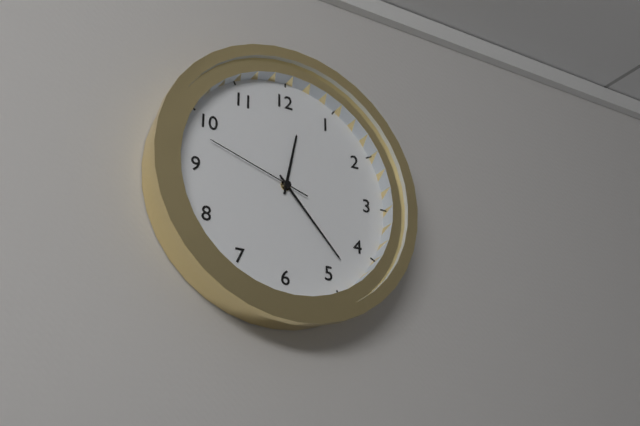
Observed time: 12h23m48s
